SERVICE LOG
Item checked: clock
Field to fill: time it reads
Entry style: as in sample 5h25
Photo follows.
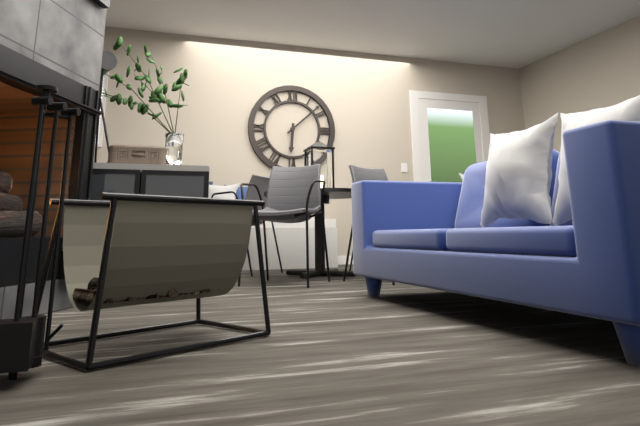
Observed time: 6h08
